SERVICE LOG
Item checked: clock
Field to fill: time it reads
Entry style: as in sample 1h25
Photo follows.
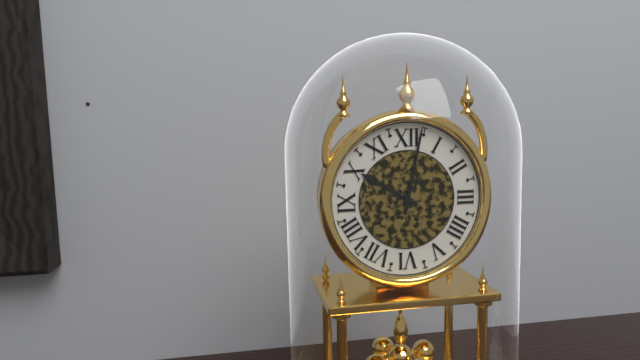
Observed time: 10h02
